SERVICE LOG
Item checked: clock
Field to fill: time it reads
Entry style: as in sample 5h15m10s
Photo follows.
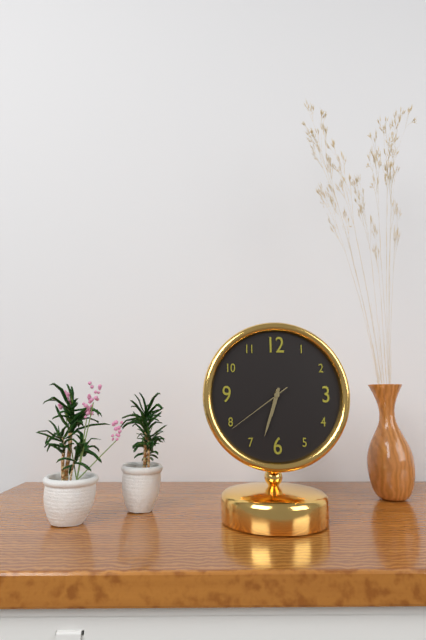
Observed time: 6h33m39s
